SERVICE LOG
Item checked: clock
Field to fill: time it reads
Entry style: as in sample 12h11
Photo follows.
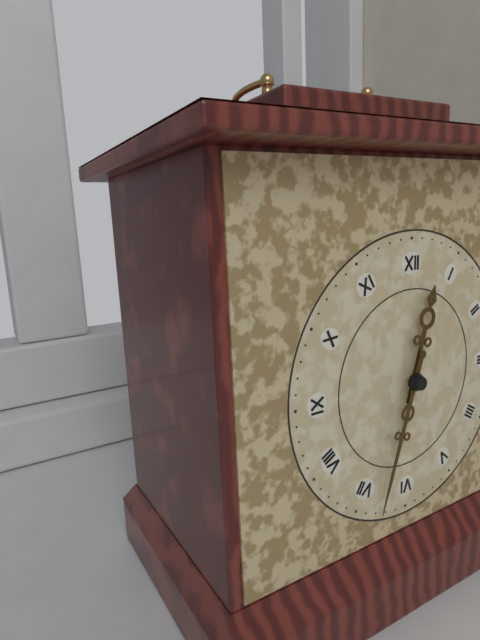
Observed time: 12h33
